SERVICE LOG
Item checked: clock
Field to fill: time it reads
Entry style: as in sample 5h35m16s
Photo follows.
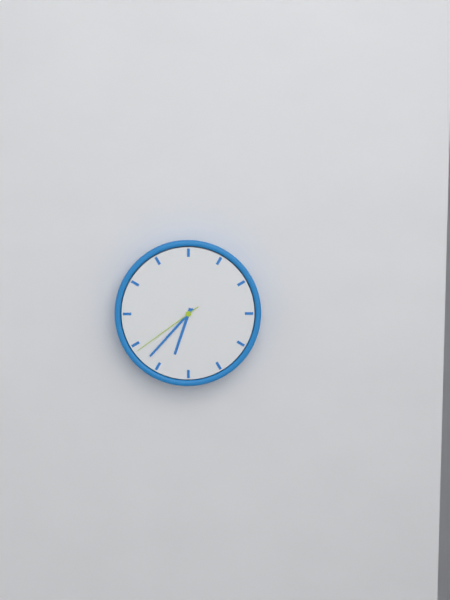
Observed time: 6h37m39s
